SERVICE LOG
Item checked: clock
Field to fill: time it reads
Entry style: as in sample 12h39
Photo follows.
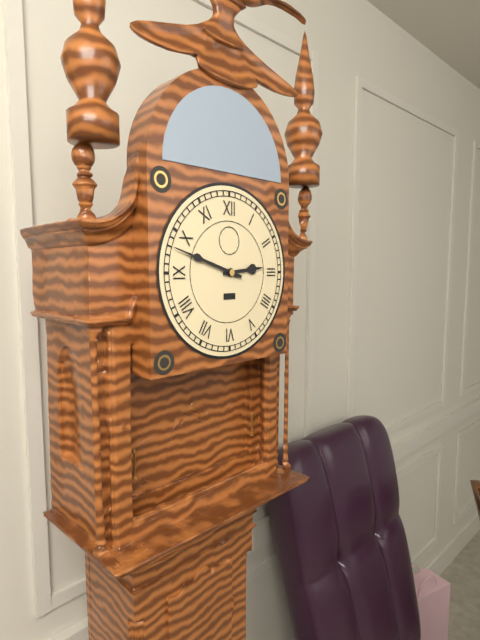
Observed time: 2h48
